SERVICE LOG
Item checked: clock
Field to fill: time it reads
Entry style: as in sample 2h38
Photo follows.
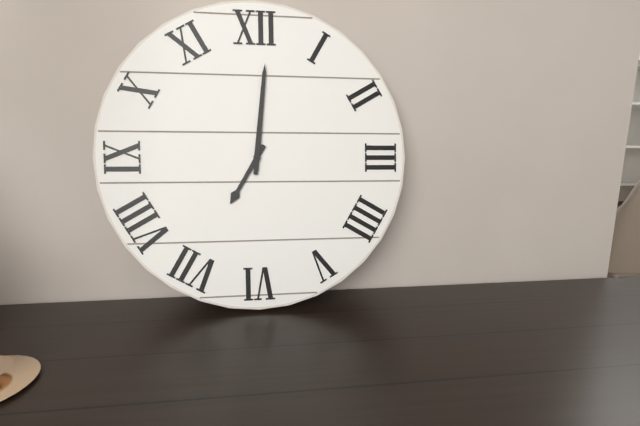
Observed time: 7h01
